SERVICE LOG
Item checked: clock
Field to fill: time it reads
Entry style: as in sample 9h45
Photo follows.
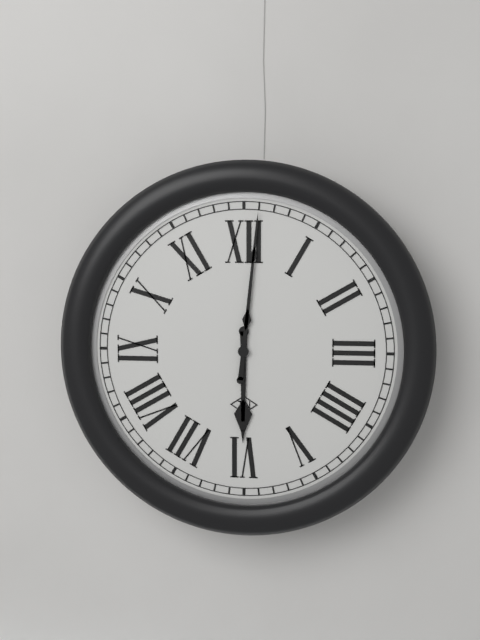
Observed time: 6h01
